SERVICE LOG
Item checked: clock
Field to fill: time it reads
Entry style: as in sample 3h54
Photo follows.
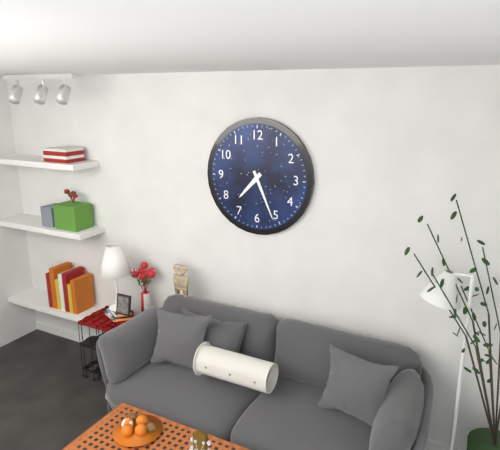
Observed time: 7h26
